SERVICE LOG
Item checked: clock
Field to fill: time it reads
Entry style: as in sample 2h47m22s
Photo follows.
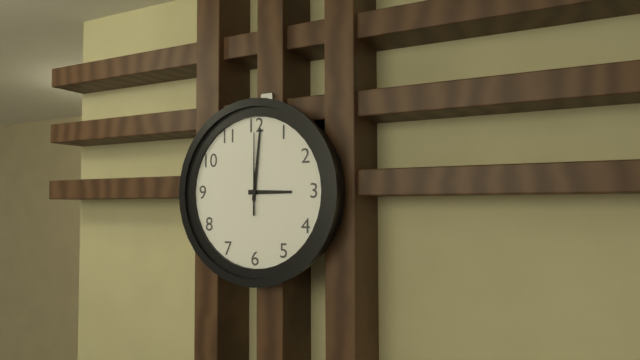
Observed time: 3h01m00s
